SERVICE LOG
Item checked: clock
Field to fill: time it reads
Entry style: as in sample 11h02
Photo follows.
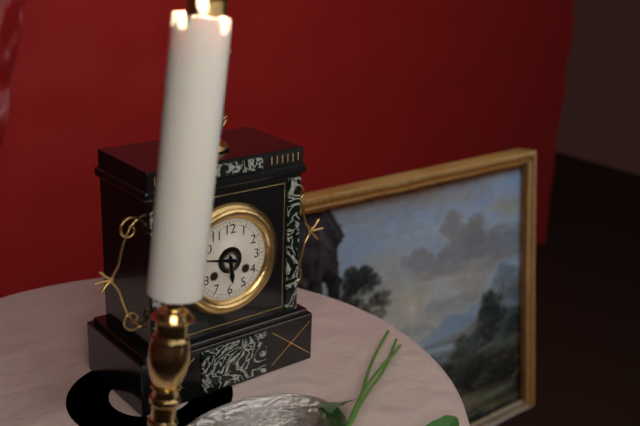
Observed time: 5h47
